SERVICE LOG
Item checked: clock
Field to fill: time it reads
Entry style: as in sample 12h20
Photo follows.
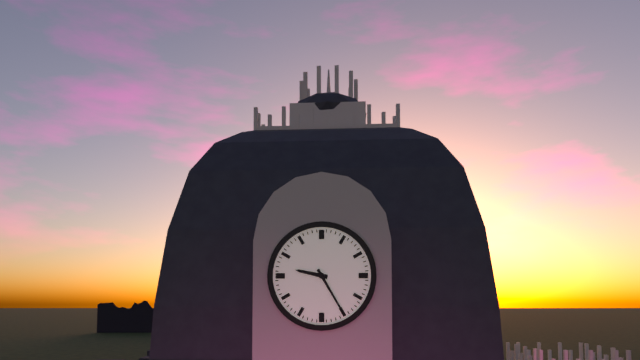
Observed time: 9h25
